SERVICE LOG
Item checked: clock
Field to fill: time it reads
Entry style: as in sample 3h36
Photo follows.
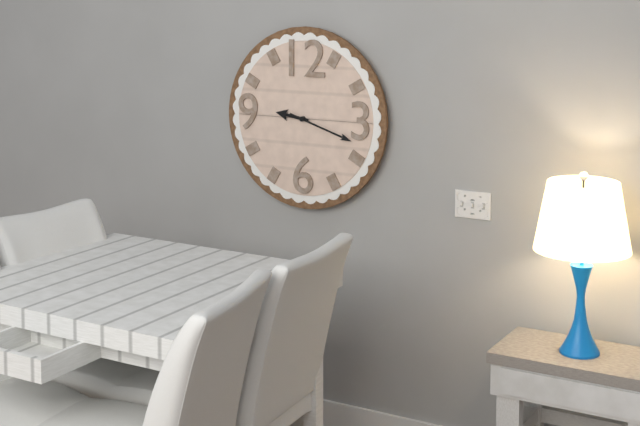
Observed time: 9h18
